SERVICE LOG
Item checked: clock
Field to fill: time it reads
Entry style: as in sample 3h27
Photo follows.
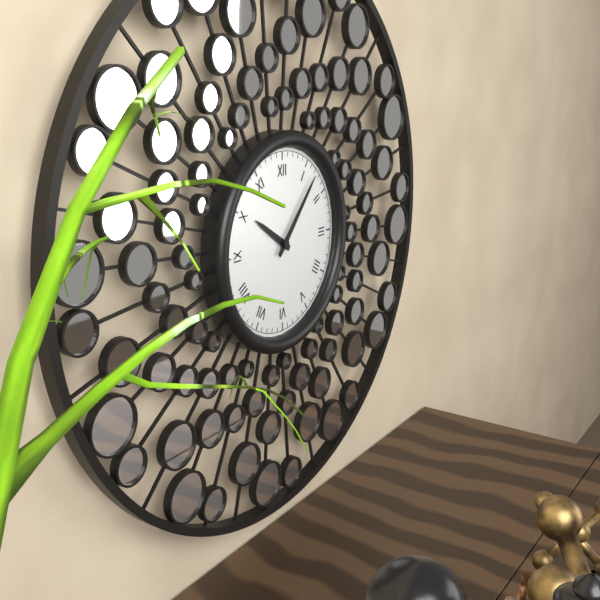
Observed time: 10h07
